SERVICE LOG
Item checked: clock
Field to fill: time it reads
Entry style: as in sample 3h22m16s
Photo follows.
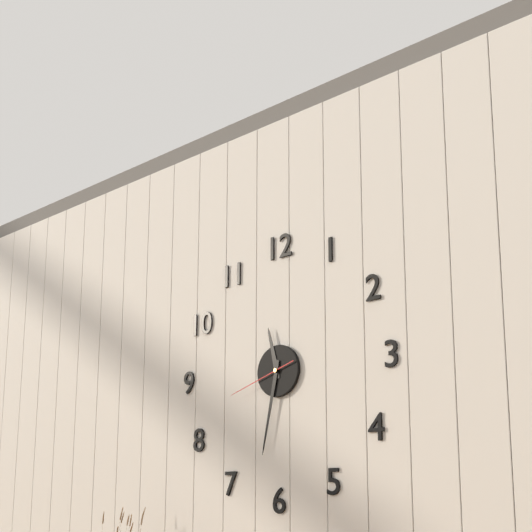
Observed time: 11h32m42s
